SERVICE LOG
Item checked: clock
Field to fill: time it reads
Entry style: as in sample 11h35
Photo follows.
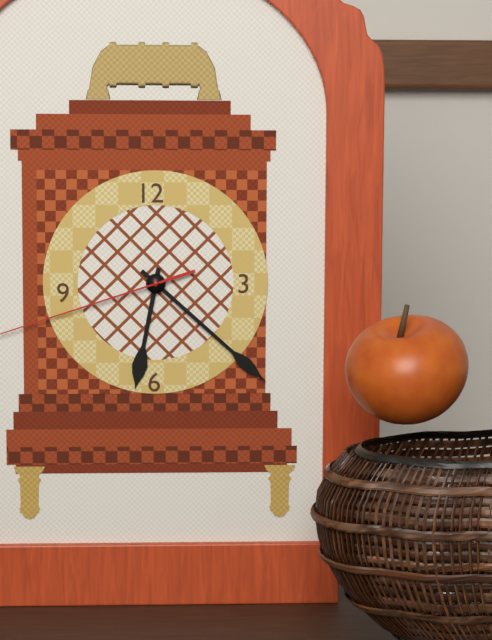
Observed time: 6h22
